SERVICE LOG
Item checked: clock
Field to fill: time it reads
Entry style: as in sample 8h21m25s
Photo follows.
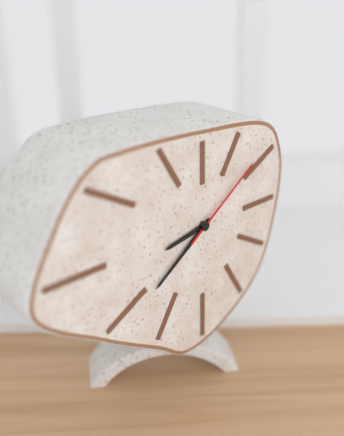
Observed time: 8h39m09s
